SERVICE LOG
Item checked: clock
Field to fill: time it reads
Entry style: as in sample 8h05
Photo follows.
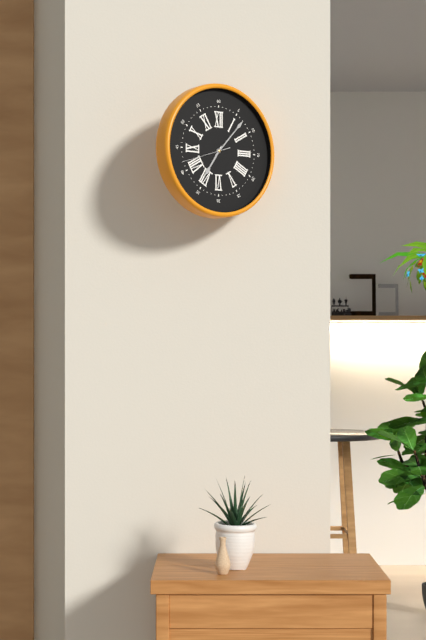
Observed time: 7h07
